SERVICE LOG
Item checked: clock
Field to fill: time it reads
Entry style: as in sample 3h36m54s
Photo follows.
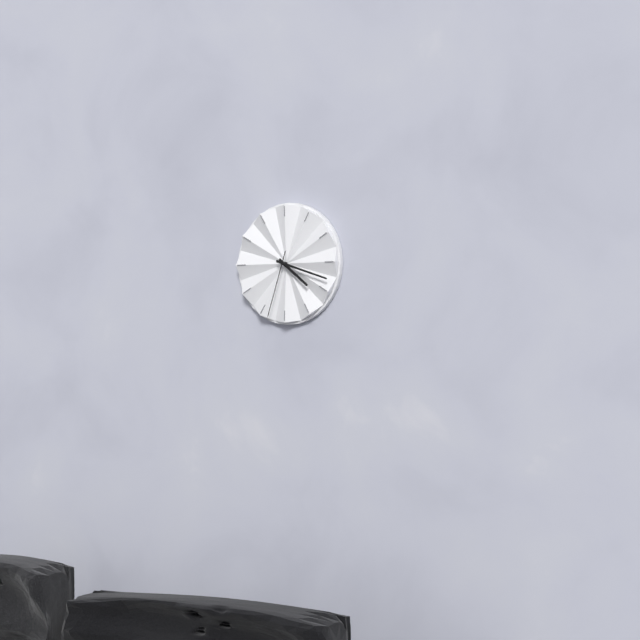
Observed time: 4h18m33s
